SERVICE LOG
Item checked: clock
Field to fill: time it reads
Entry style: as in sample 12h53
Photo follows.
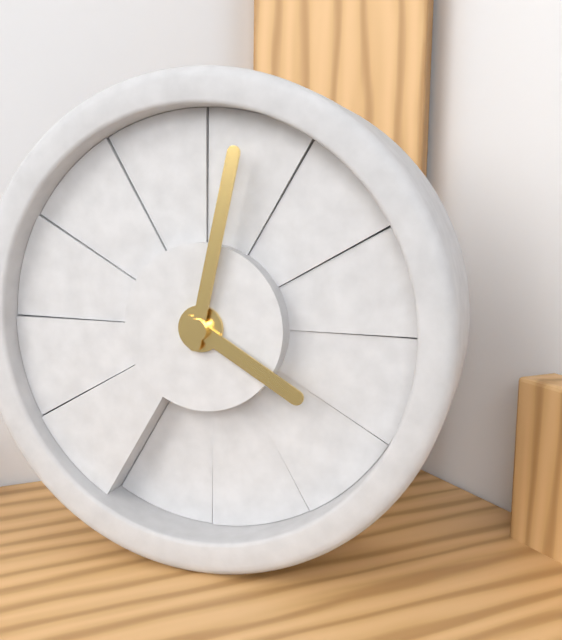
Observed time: 4h02
